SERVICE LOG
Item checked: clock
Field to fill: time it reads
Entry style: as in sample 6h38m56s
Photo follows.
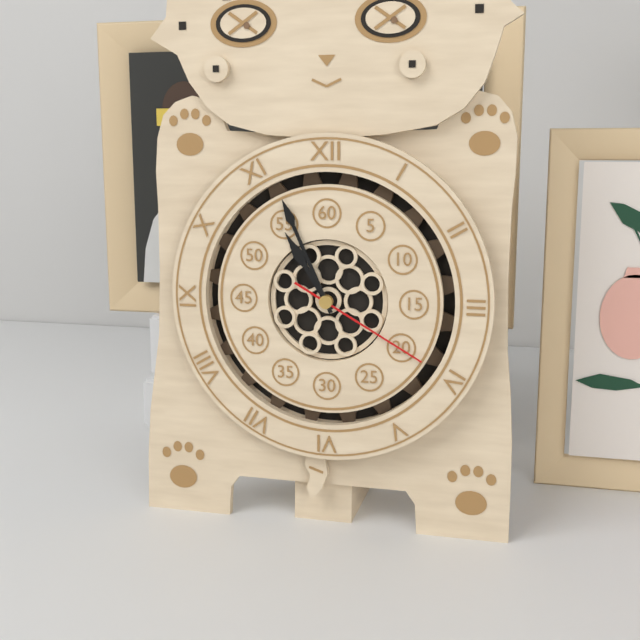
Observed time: 10h56m20s
